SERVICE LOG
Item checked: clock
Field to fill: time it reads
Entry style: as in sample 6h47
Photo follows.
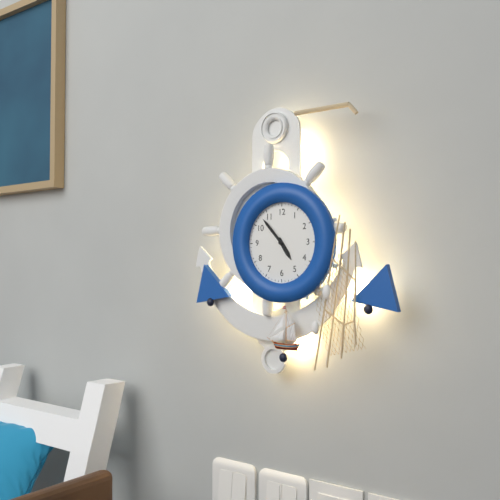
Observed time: 4h53
